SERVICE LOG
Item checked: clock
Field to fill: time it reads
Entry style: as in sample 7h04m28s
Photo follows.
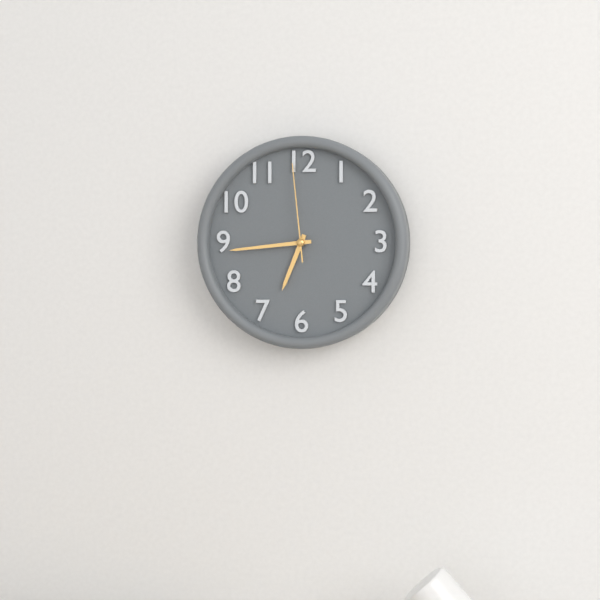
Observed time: 6h44m59s
